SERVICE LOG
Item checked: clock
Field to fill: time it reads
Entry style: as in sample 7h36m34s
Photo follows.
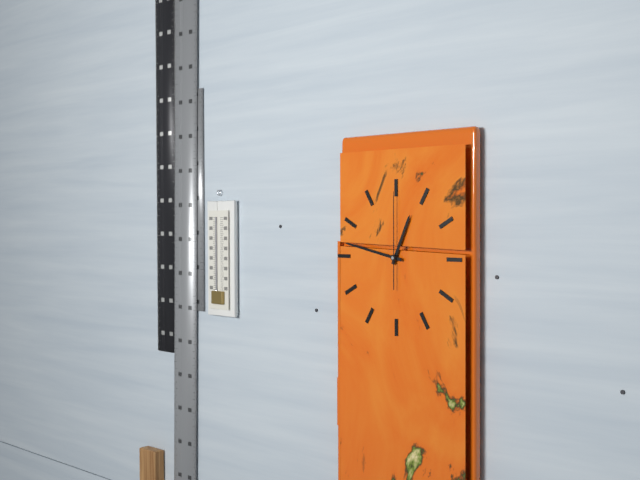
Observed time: 12h47m00s
